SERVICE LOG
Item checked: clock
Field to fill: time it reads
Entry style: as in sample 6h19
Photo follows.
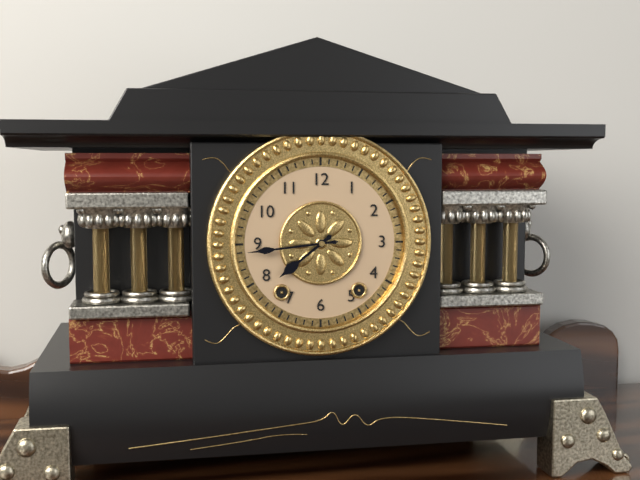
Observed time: 7h44
